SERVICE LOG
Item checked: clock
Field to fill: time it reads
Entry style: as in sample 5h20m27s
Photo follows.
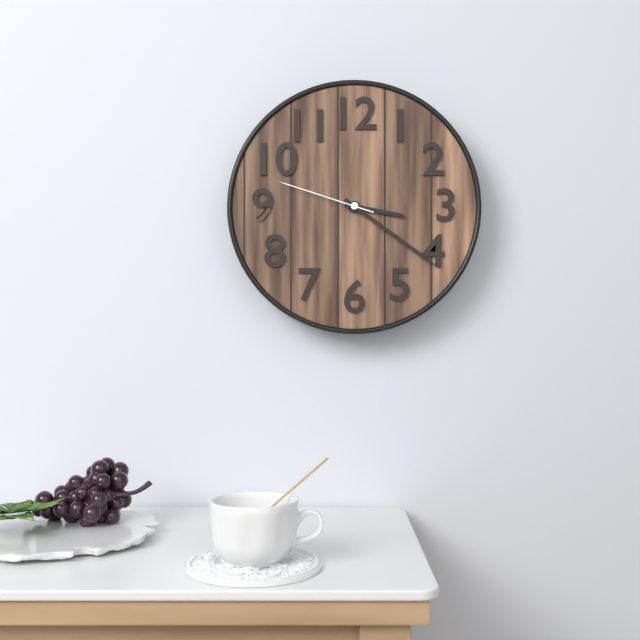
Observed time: 3h21m48s
